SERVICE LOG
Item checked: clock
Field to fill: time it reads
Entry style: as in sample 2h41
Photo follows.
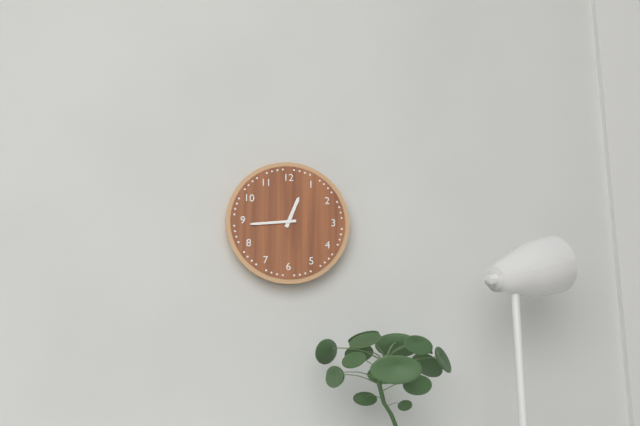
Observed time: 12h44
